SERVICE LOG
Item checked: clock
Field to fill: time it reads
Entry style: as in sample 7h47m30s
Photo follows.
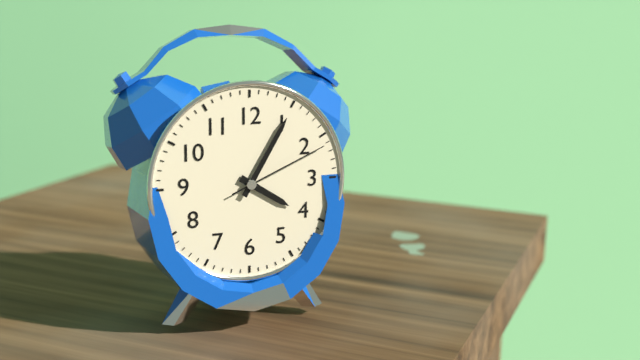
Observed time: 4h05m11s
